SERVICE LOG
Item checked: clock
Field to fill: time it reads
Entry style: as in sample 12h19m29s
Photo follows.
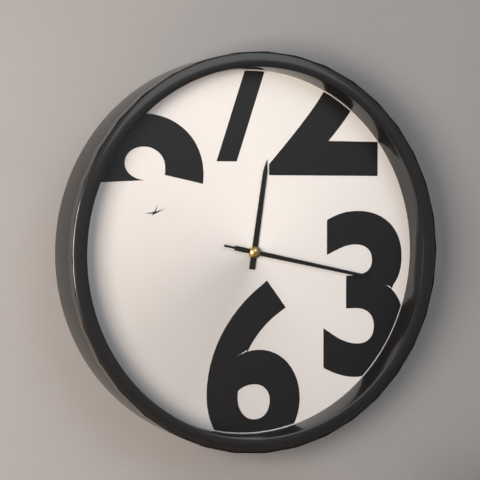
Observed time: 12h17m17s
